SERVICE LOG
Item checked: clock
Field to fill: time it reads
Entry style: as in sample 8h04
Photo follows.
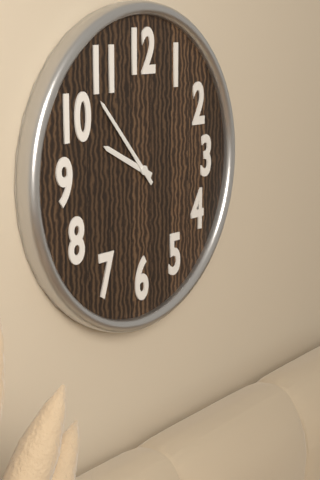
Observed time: 9h53
